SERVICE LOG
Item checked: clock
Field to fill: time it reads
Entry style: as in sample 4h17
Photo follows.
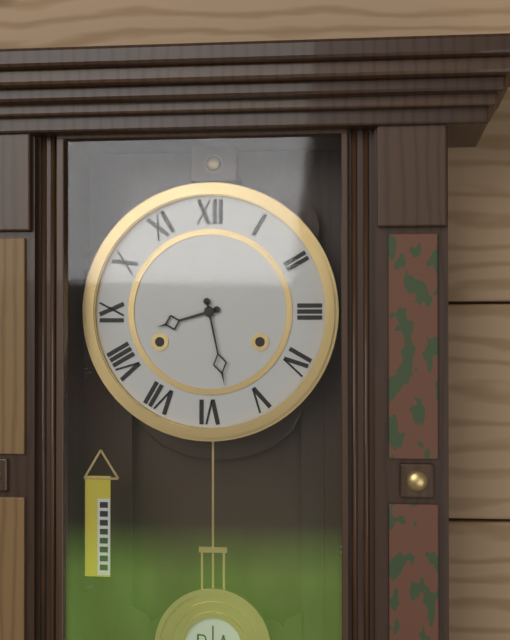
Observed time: 8h28
